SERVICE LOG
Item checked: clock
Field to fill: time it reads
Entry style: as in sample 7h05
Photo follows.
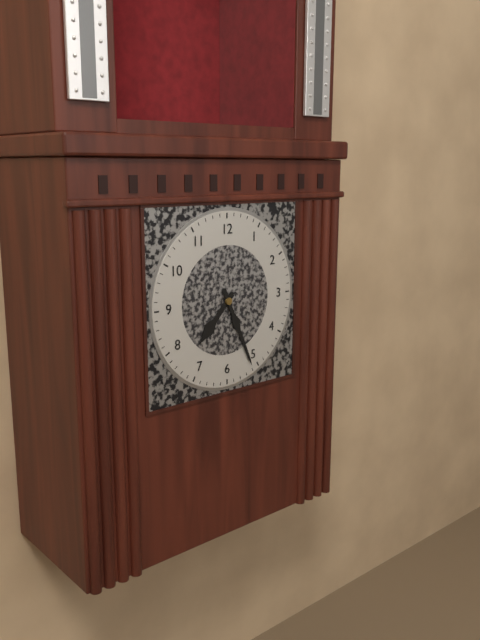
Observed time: 7h26
